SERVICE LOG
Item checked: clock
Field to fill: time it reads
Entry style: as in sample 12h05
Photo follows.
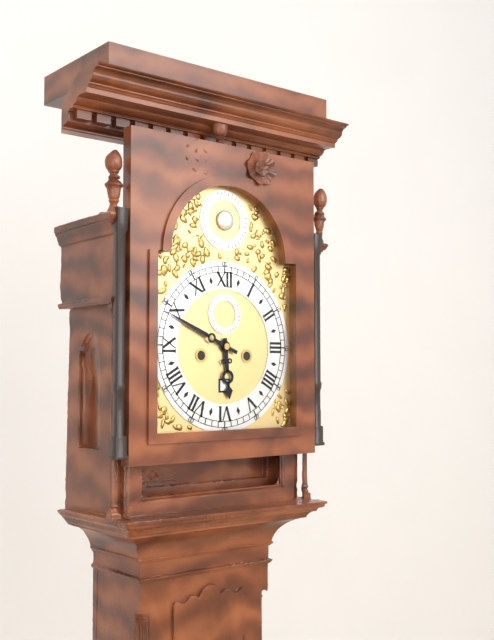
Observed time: 5h49
